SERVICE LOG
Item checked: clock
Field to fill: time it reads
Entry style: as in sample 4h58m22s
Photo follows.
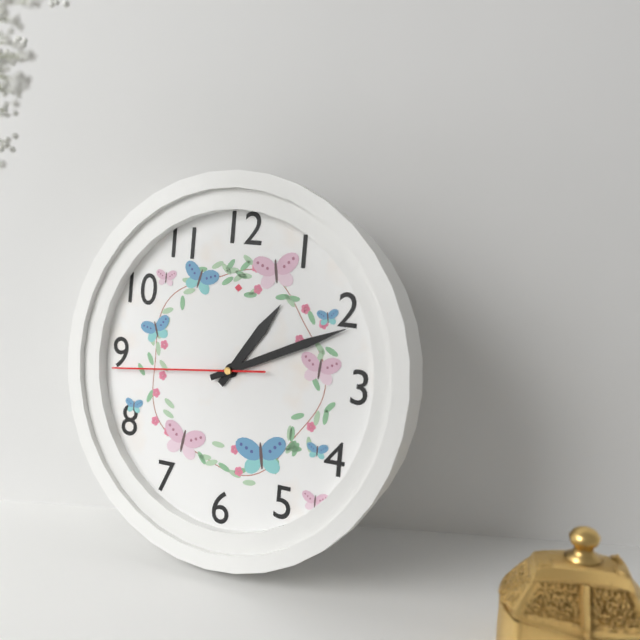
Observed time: 1h11m44s
